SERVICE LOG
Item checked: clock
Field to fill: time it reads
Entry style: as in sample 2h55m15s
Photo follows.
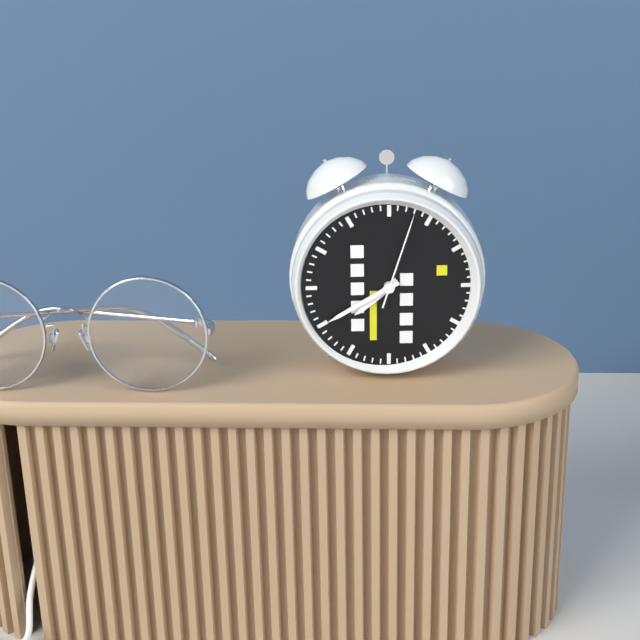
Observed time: 7h40m03s
